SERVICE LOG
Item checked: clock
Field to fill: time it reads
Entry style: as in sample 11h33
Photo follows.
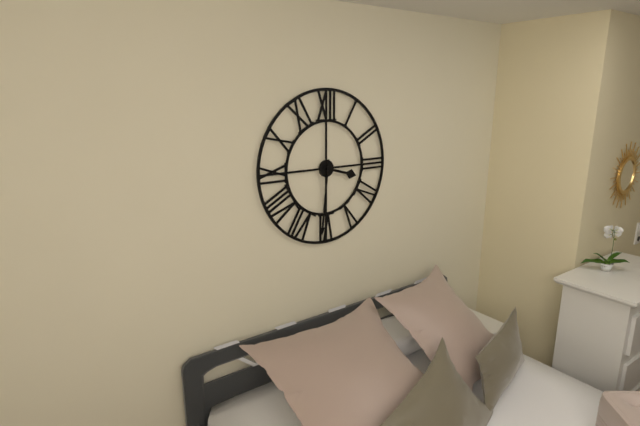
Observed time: 3h31
